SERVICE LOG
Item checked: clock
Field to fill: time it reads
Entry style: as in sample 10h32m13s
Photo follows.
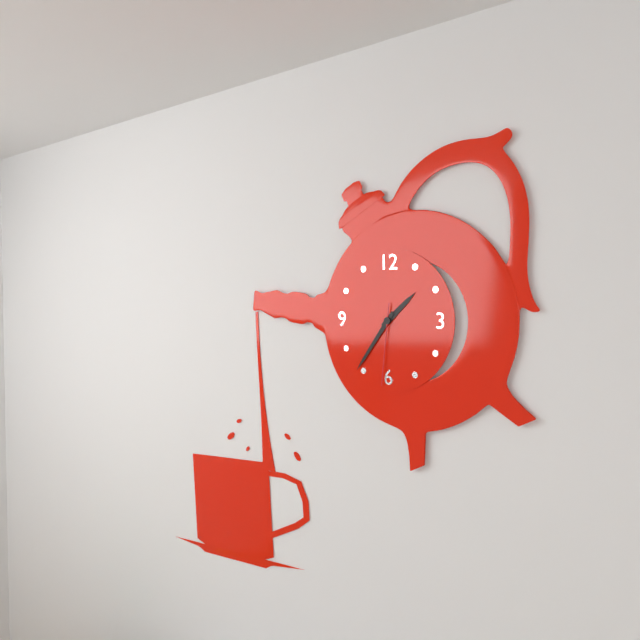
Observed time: 1h36m31s
